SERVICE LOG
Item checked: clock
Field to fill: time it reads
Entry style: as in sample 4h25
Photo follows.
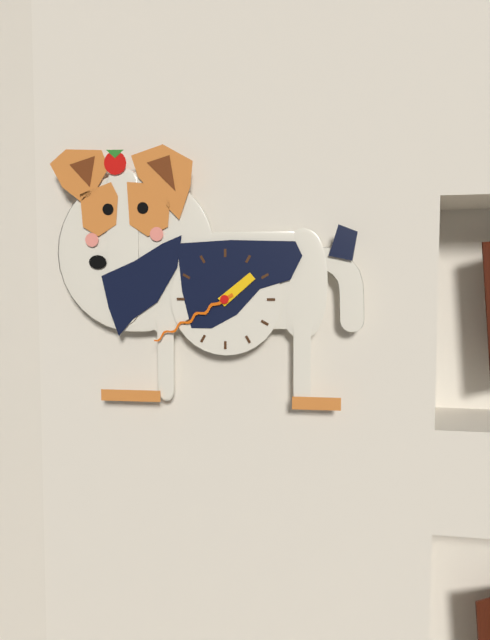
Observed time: 1h40
